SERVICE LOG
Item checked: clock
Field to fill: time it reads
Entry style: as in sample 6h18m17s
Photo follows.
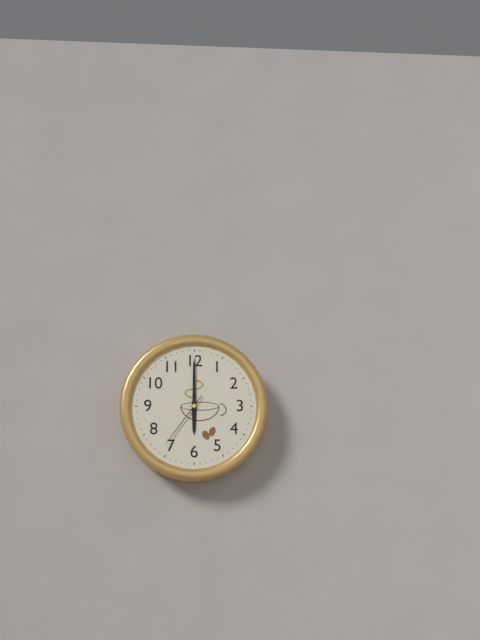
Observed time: 6h00m36s
